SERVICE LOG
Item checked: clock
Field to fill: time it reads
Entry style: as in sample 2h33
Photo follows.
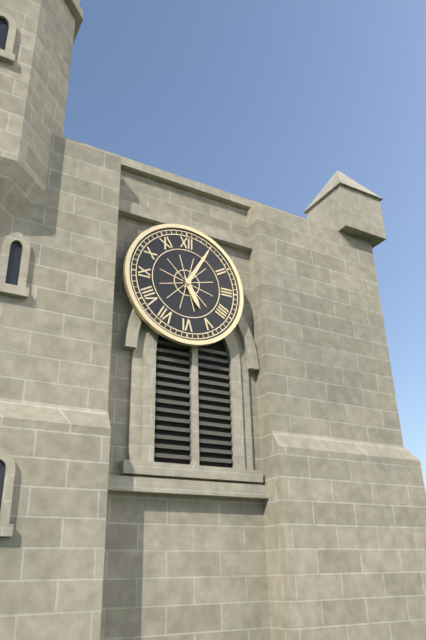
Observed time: 5h05
